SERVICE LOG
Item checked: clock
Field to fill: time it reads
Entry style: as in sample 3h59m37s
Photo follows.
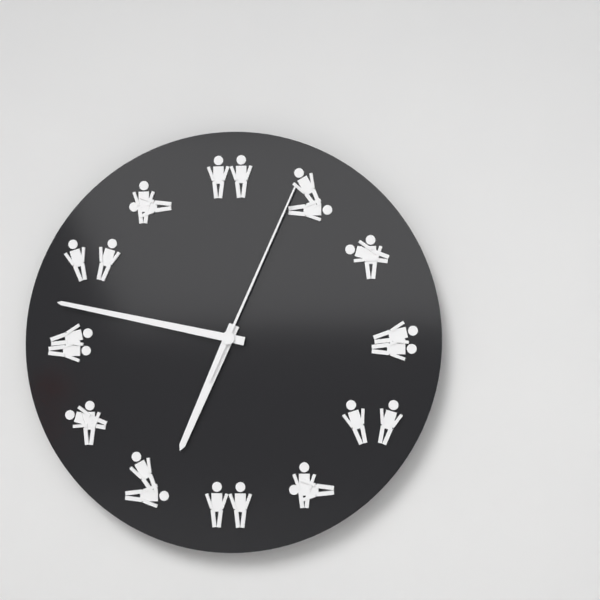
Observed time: 6h47m04s
